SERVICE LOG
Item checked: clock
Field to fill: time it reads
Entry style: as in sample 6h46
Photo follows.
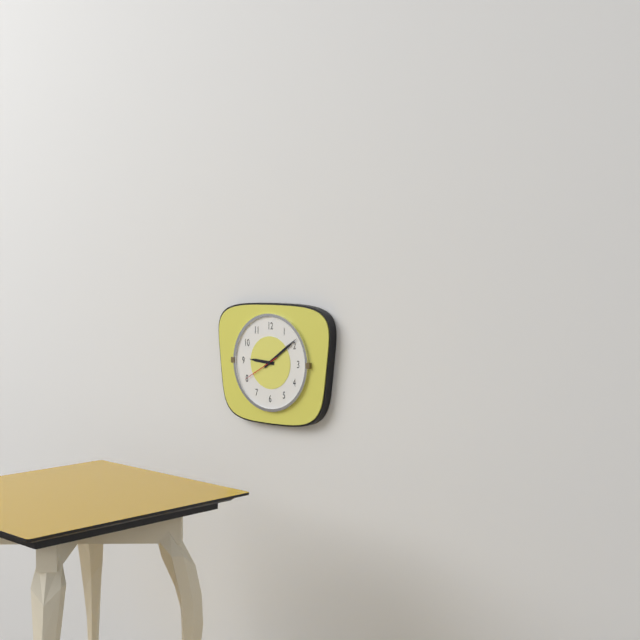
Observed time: 9h09
